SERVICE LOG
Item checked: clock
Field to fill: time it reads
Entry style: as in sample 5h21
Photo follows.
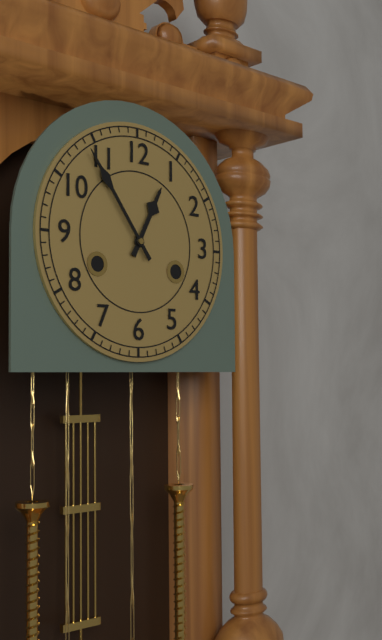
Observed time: 12h54
